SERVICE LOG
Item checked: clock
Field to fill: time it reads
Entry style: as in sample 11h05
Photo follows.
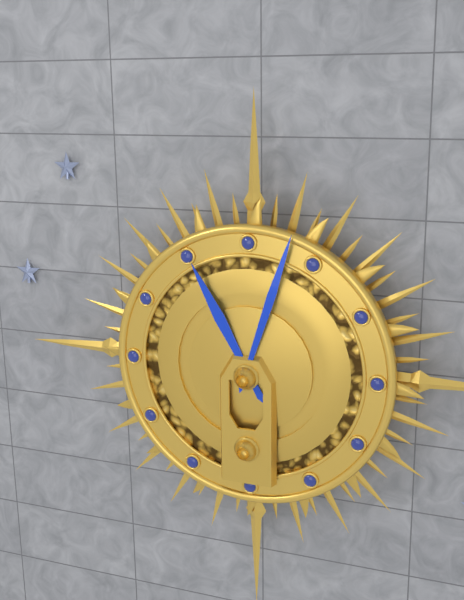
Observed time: 11h03
